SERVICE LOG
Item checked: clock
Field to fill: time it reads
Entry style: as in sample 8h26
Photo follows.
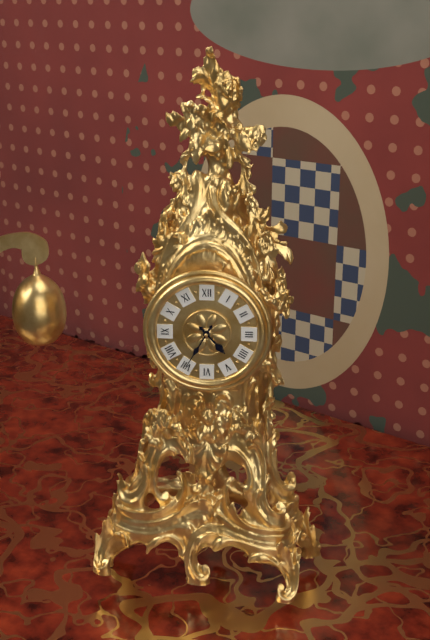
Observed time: 4h35
